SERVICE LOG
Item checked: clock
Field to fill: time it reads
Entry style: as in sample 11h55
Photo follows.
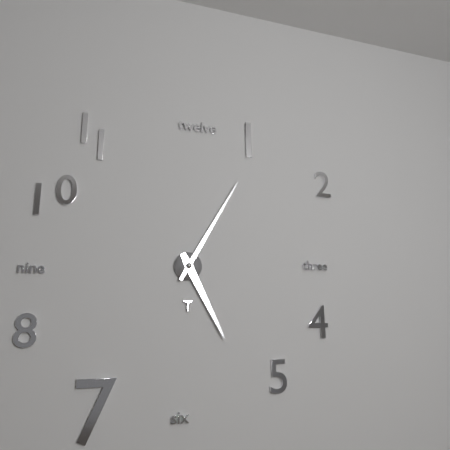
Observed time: 5h05
